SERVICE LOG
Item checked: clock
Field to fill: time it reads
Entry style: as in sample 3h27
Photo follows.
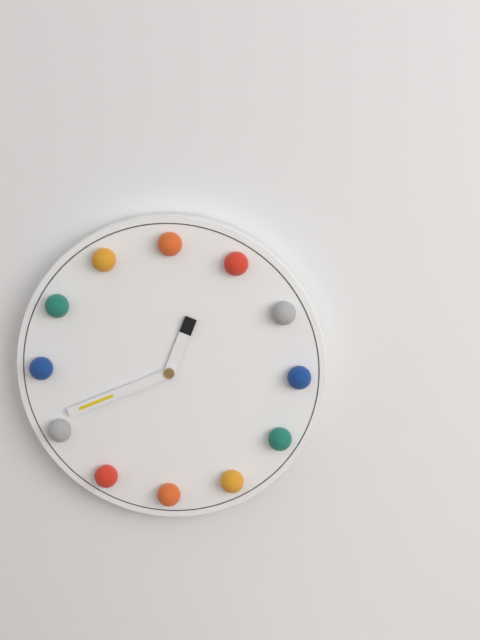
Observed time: 12h41
